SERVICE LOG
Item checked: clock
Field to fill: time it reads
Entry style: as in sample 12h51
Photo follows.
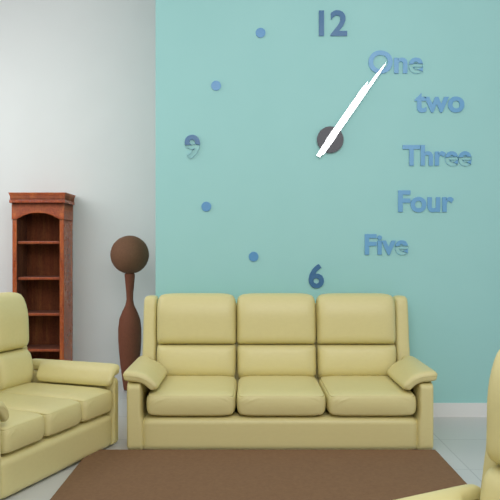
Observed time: 1h06
